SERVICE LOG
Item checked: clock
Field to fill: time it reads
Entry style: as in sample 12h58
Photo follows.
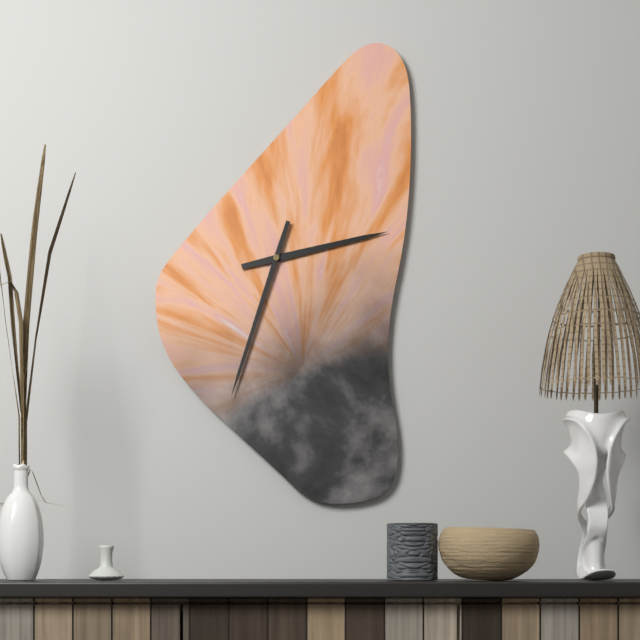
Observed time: 2h33
